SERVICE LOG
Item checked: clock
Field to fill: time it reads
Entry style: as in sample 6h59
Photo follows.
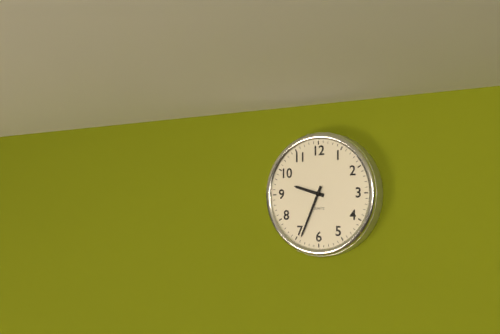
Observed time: 9h34
